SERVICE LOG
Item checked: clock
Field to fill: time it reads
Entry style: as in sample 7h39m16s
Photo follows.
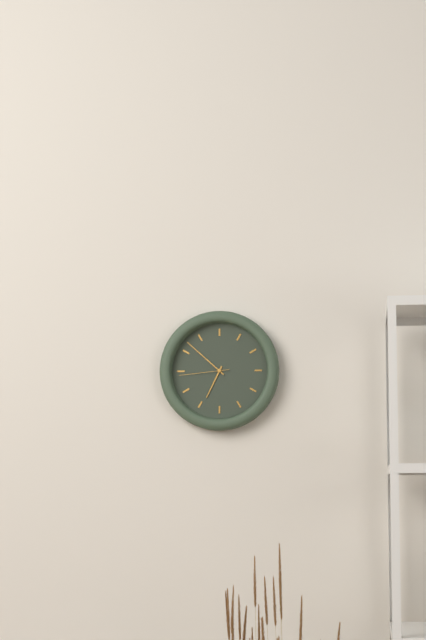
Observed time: 6h52m44s
